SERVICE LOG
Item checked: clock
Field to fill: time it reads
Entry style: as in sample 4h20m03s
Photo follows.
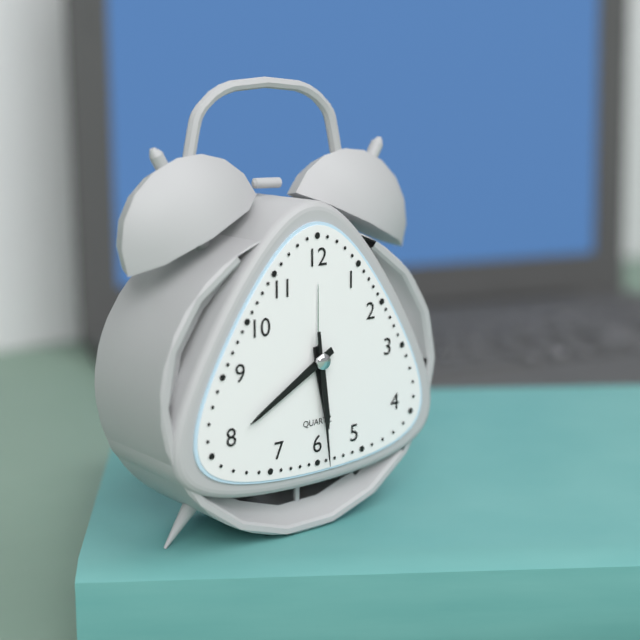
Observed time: 5h40m29s
